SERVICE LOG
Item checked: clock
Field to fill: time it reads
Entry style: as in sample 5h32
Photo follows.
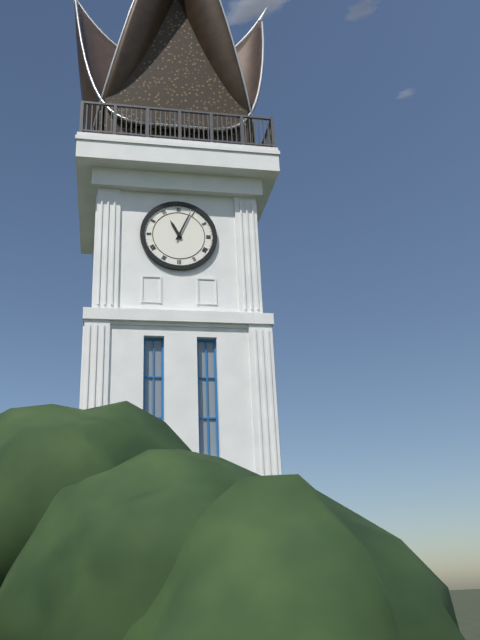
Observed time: 11h04
